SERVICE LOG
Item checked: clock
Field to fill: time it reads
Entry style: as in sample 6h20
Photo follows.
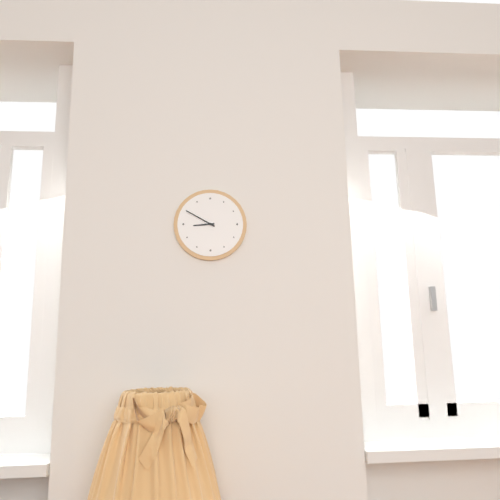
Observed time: 8h50
